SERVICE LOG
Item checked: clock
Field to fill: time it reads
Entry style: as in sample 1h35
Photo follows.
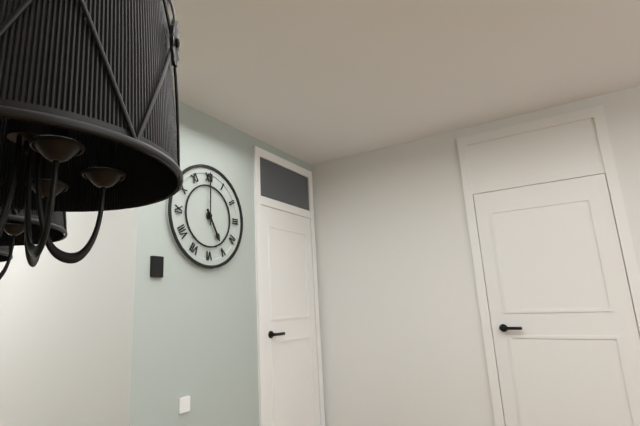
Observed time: 5h00
